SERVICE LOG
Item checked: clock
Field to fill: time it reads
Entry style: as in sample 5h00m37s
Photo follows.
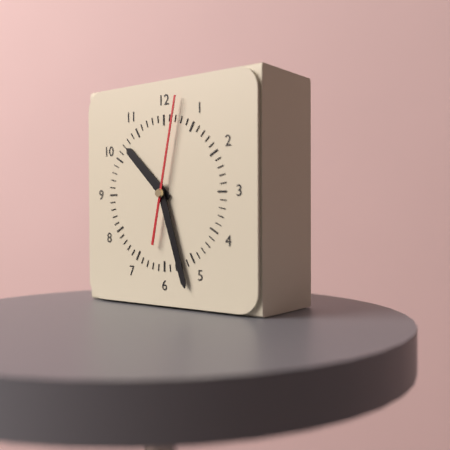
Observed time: 10h27m02s
